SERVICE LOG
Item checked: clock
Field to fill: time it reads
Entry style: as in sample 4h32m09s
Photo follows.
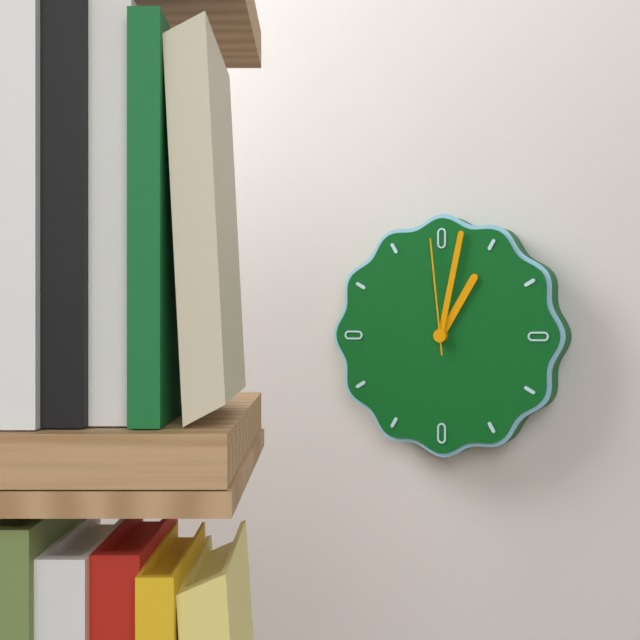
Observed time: 1h02m59s
